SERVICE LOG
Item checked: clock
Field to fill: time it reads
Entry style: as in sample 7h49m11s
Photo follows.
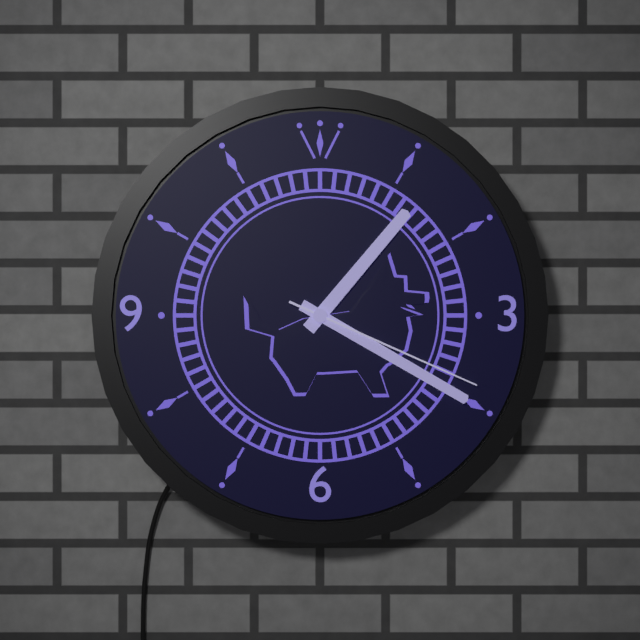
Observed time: 1h20m19s
